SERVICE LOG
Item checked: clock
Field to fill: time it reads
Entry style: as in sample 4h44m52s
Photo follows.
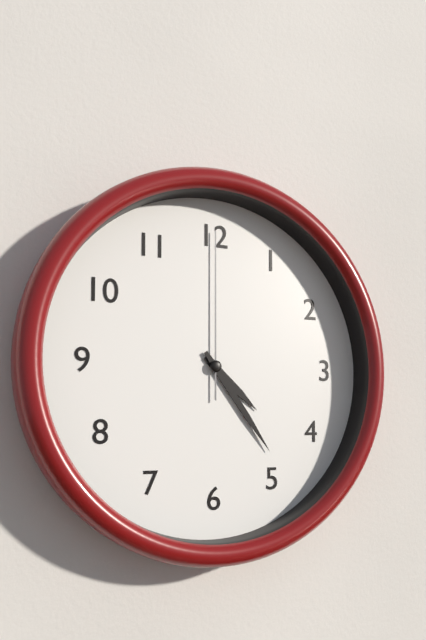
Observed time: 4h24m00s
